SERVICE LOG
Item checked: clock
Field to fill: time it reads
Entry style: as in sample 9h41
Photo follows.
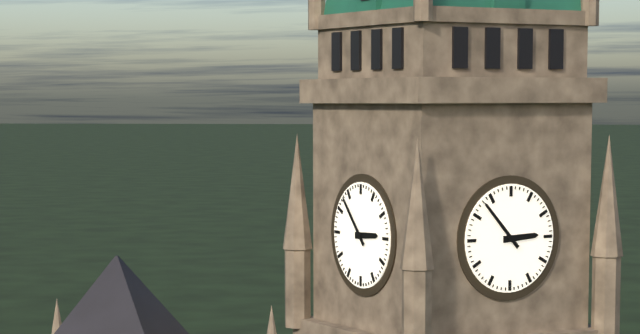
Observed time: 2h53
